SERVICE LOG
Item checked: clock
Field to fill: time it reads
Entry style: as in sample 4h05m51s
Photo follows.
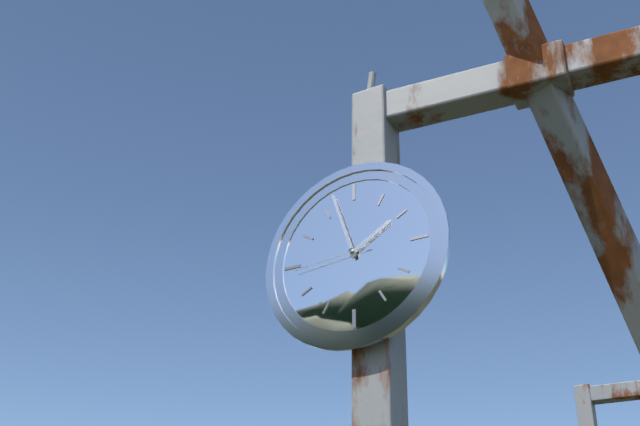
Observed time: 1h57m44s
